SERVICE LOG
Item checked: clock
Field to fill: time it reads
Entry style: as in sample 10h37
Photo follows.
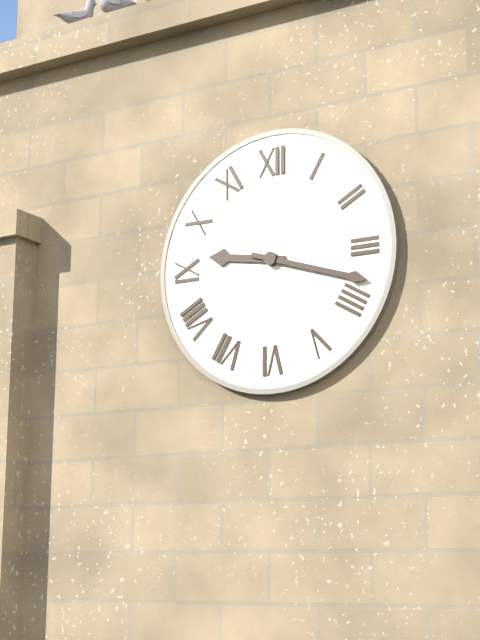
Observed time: 9h18
